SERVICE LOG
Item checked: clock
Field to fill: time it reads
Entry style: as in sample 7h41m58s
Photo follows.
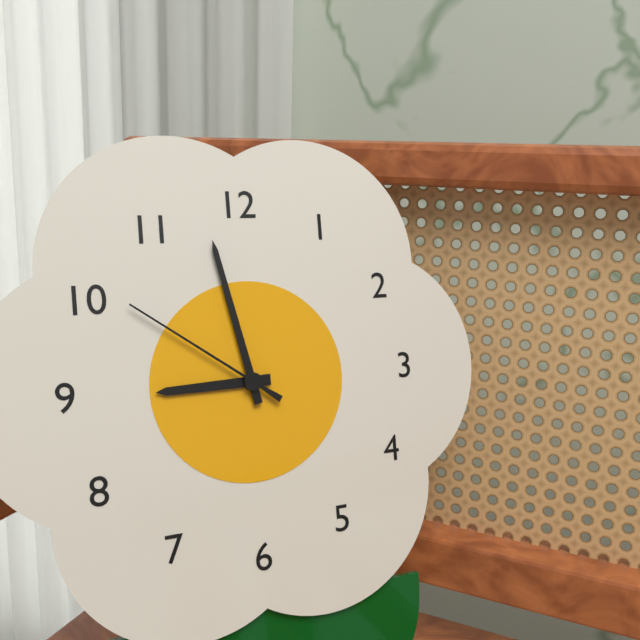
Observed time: 8h58m51s
